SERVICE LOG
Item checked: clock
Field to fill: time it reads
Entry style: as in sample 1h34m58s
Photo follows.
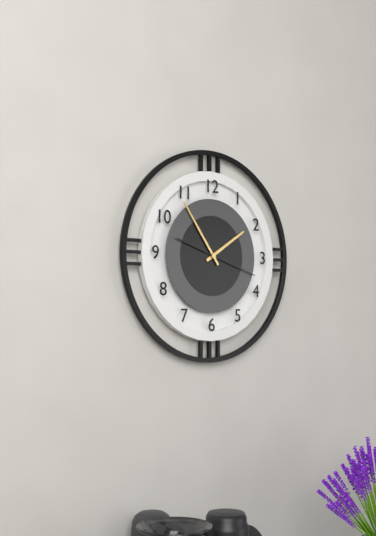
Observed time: 1h54m18s
